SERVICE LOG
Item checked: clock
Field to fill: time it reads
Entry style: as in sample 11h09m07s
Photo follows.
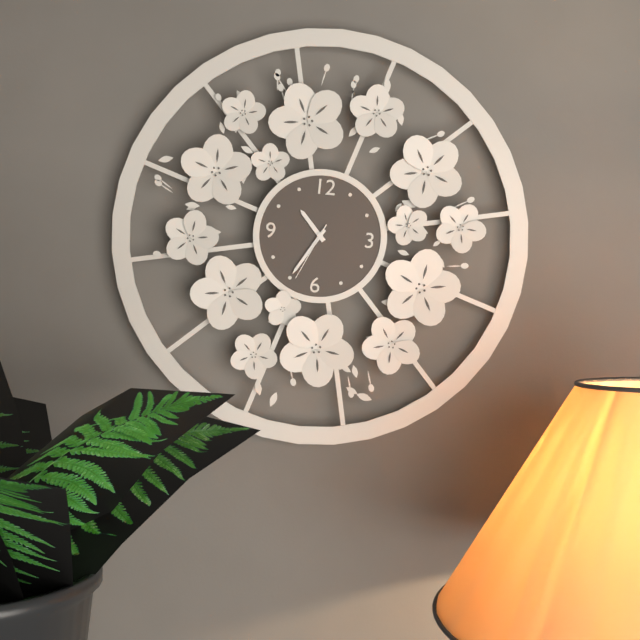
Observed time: 10h35m34s
